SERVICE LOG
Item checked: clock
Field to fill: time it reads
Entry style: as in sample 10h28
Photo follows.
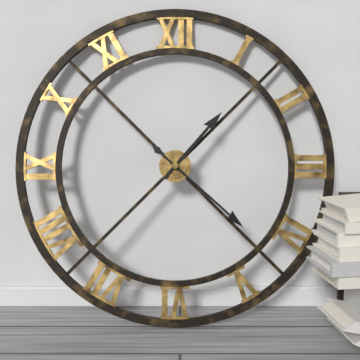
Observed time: 1h22
